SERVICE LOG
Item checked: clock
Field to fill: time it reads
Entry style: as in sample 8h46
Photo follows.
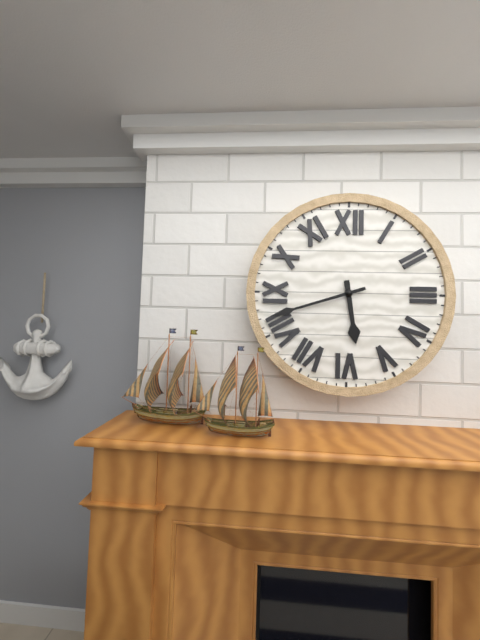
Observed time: 5h42
